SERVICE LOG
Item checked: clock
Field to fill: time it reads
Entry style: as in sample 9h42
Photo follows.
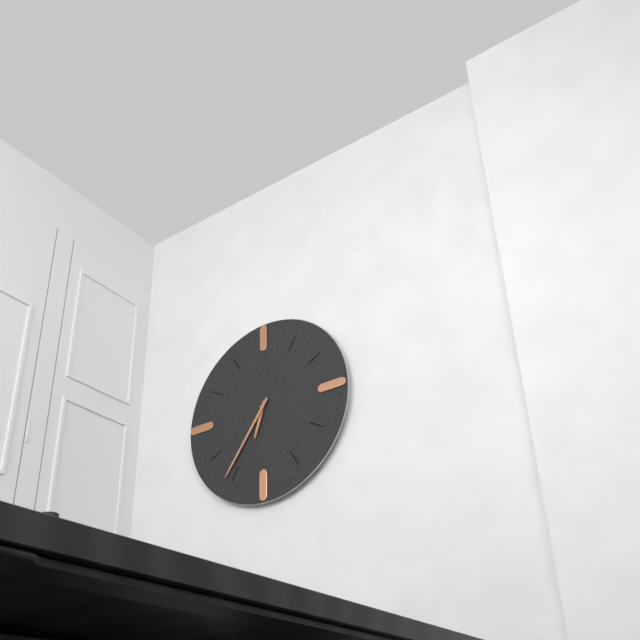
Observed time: 6h36
